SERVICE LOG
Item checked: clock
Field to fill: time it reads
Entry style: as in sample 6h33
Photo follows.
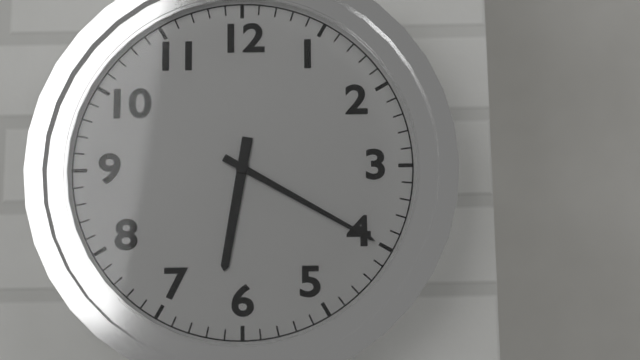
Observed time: 6h20
